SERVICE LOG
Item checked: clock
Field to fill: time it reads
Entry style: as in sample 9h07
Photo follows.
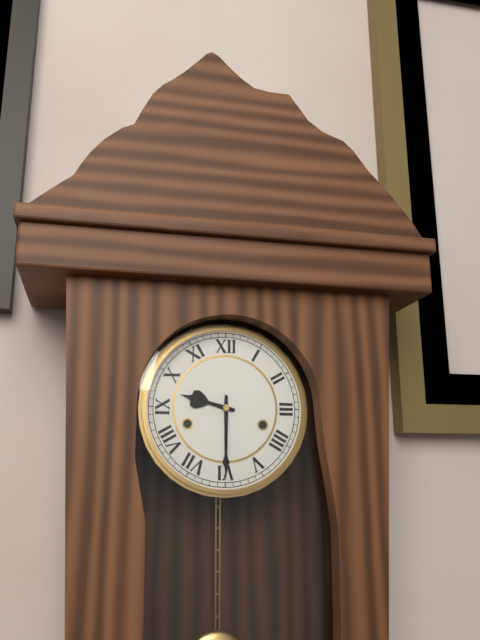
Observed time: 9h30
